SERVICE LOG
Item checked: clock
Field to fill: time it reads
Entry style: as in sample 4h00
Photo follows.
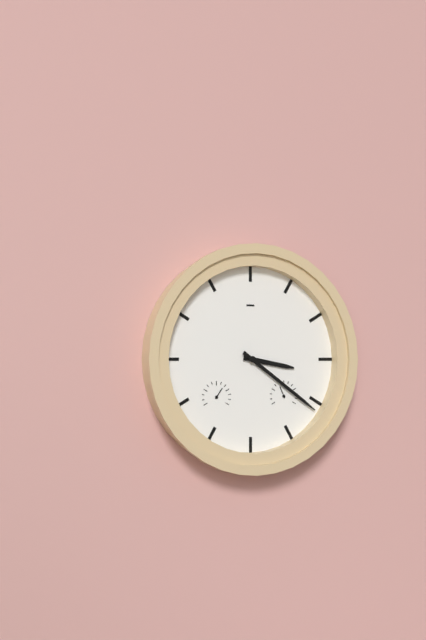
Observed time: 3h21
